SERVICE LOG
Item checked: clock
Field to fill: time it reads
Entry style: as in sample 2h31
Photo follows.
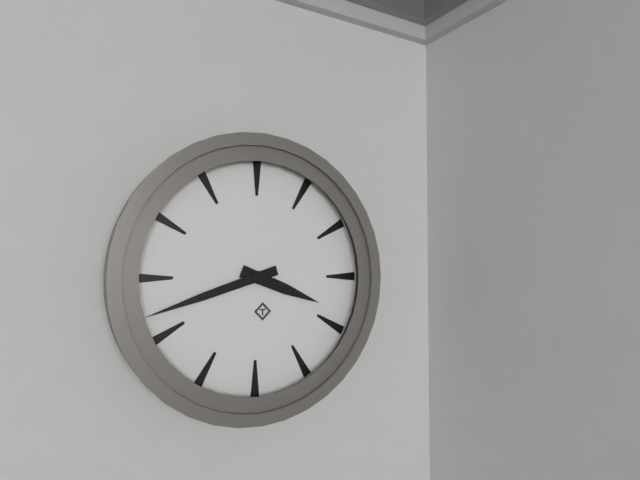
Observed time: 3h42
